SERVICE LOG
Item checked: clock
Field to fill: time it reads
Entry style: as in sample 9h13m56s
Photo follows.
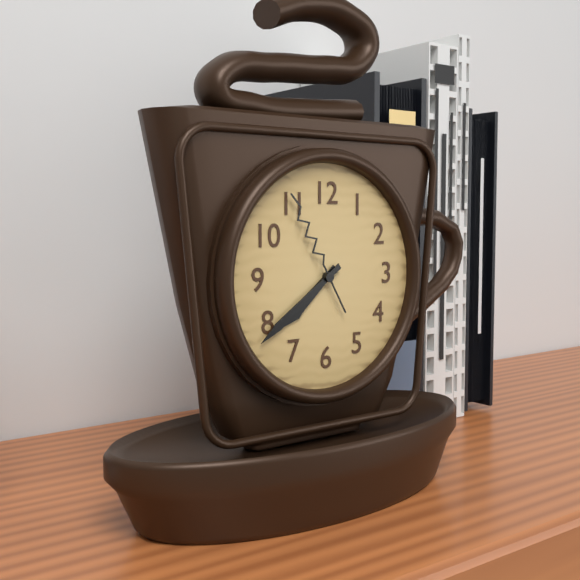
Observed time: 7h39m55s
